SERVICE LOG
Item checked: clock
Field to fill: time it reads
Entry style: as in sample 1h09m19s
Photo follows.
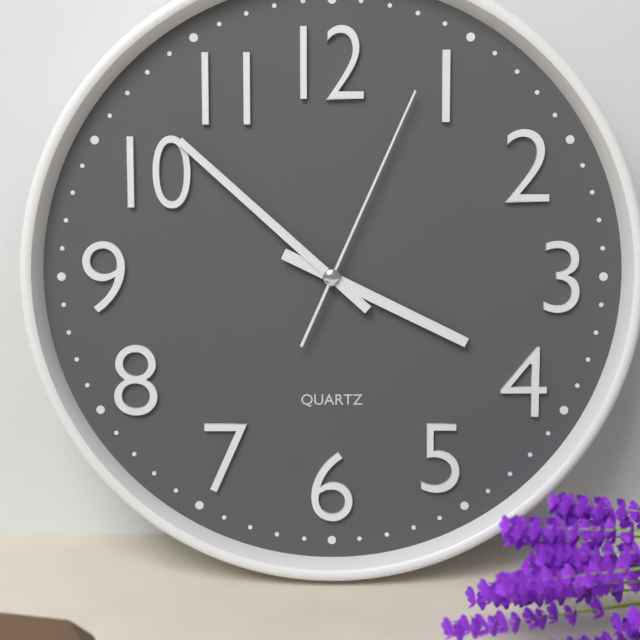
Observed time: 3h52m04s
